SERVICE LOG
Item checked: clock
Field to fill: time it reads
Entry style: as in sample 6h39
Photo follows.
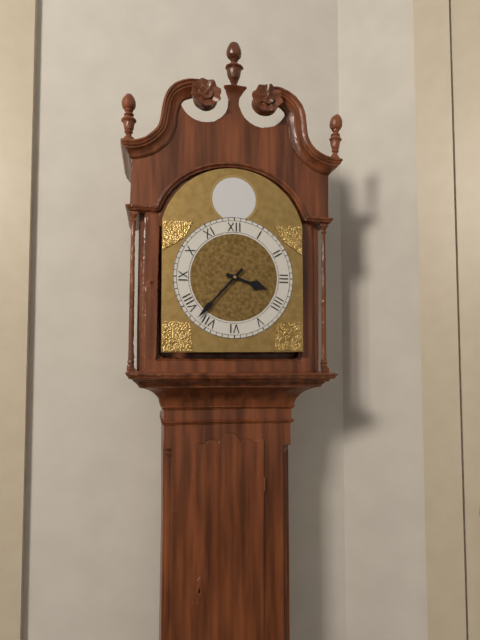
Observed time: 3h37
